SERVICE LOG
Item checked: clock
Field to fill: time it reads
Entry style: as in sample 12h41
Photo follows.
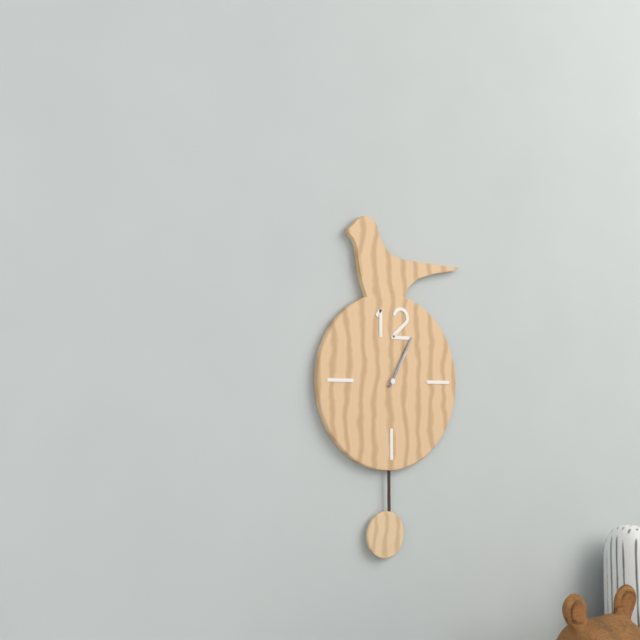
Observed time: 1h05
